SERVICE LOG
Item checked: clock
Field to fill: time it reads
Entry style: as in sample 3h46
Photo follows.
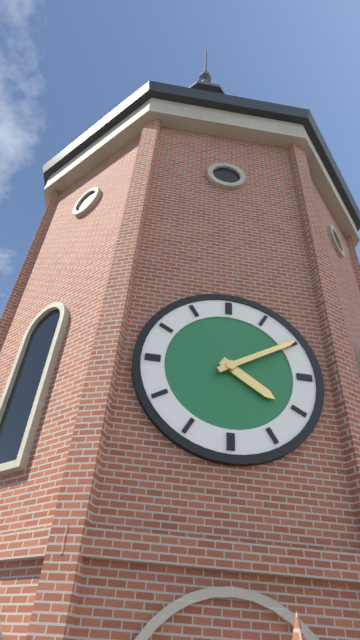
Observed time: 4h10
